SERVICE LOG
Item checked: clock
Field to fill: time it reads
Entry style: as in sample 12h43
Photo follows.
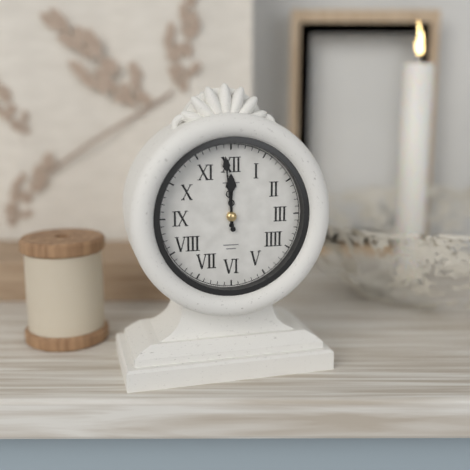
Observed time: 11h59
